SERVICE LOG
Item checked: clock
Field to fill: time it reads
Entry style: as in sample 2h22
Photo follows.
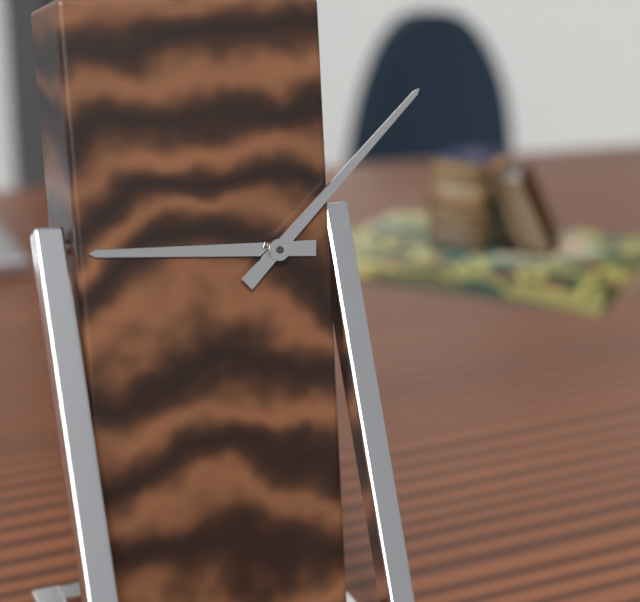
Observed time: 9h08
